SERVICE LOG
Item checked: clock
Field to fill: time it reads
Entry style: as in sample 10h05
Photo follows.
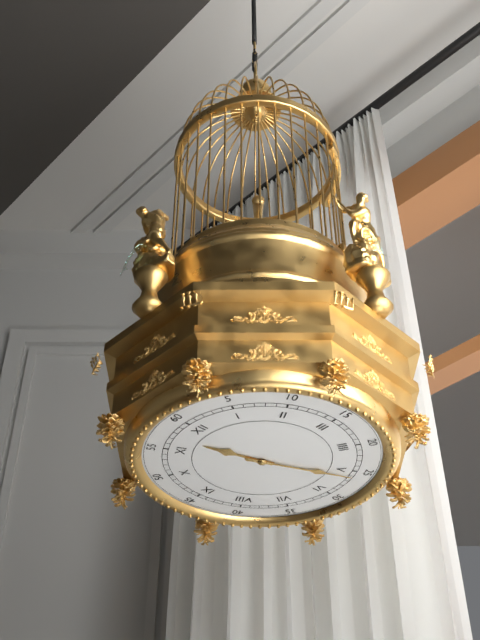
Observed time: 11h26
